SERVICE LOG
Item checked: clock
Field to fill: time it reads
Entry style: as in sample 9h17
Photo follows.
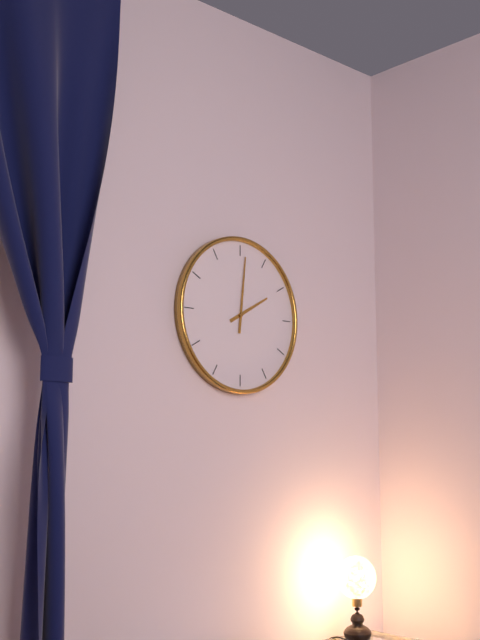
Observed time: 2h01
